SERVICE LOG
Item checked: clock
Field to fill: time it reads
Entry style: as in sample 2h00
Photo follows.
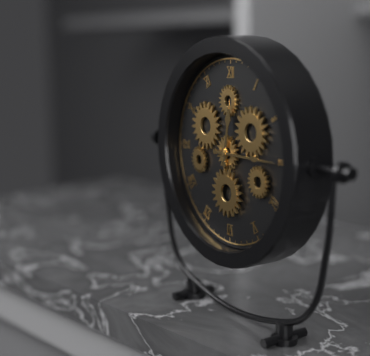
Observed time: 12h15
